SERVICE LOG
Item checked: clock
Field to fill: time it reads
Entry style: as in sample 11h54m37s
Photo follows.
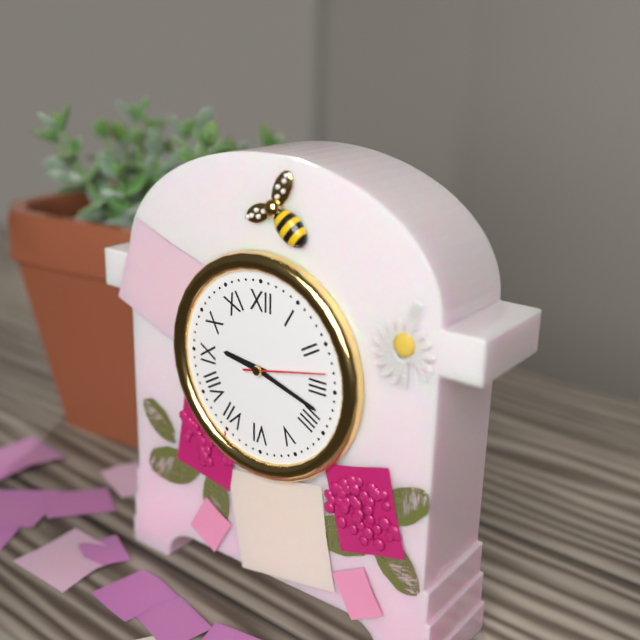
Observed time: 9h18m13s
